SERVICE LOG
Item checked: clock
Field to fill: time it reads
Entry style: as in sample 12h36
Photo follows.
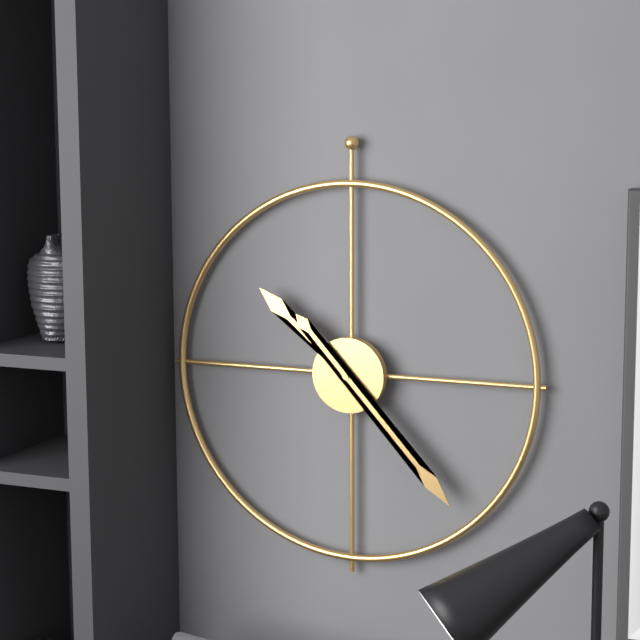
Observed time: 10h23
